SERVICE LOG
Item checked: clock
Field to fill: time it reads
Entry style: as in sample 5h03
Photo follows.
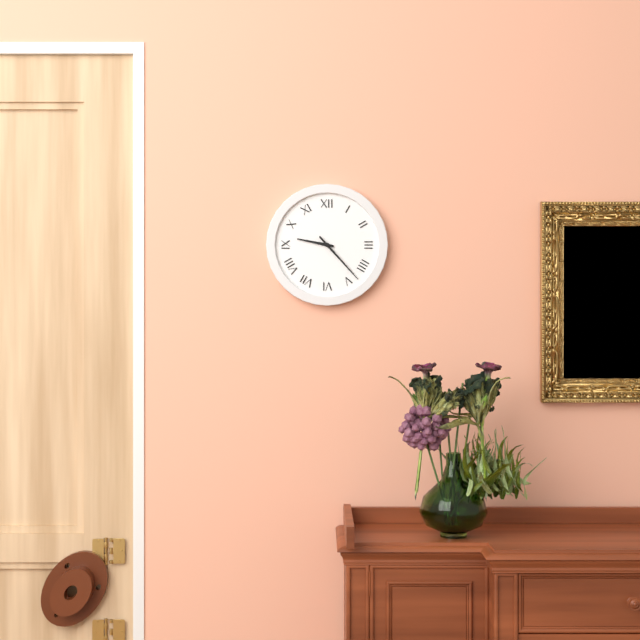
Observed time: 9h23
